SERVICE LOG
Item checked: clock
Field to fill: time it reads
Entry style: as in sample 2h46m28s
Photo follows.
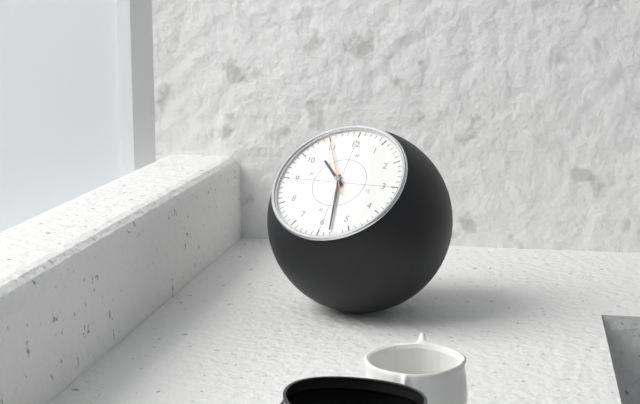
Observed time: 10h28m55s
